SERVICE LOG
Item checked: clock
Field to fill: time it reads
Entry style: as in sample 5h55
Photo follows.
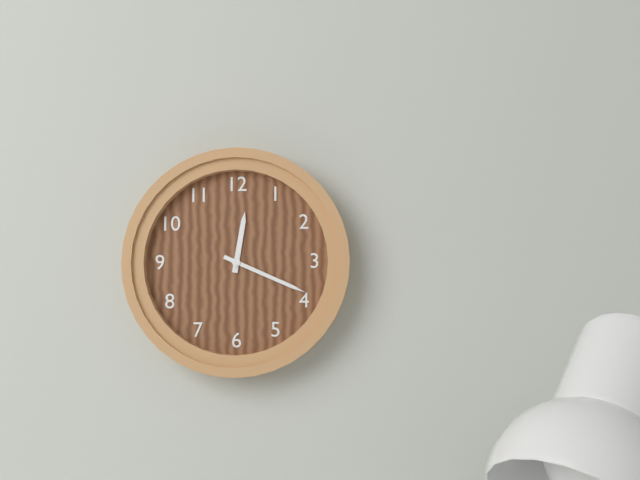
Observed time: 12h19
